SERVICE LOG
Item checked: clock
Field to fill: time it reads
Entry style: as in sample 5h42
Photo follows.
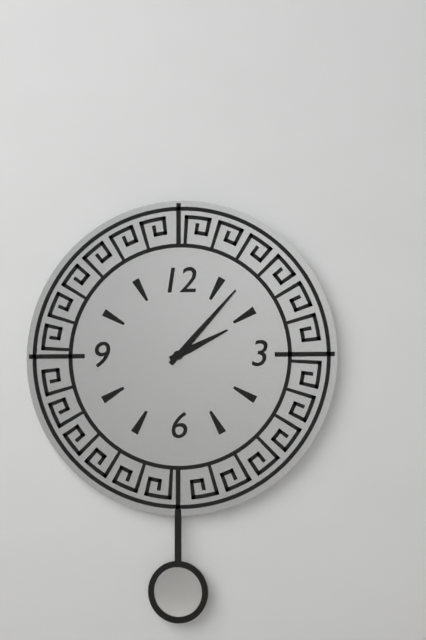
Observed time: 2h07
